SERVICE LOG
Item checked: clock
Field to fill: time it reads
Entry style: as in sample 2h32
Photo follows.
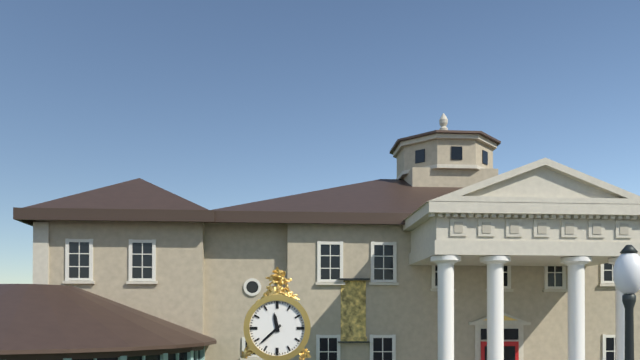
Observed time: 11h38
